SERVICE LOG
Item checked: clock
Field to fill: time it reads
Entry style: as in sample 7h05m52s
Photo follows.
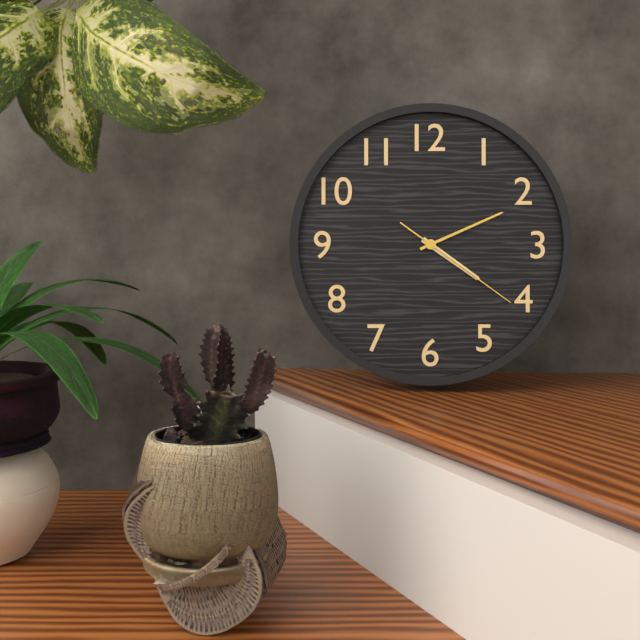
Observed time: 4h11m21s
